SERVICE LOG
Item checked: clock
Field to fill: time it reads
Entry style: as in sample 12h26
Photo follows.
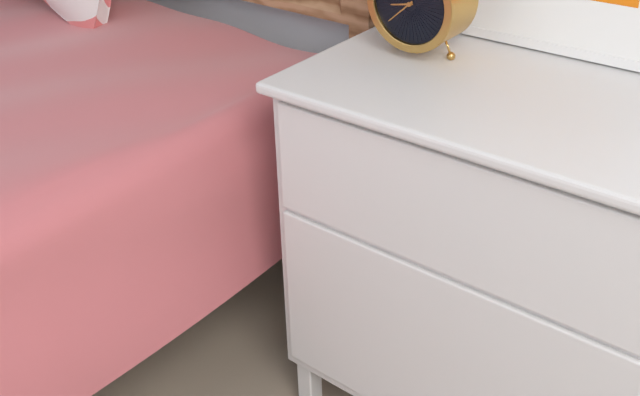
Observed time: 8h38
